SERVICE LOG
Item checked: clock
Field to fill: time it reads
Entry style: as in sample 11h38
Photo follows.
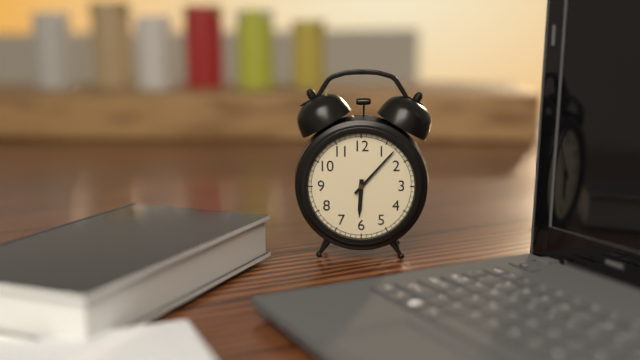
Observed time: 6h07
